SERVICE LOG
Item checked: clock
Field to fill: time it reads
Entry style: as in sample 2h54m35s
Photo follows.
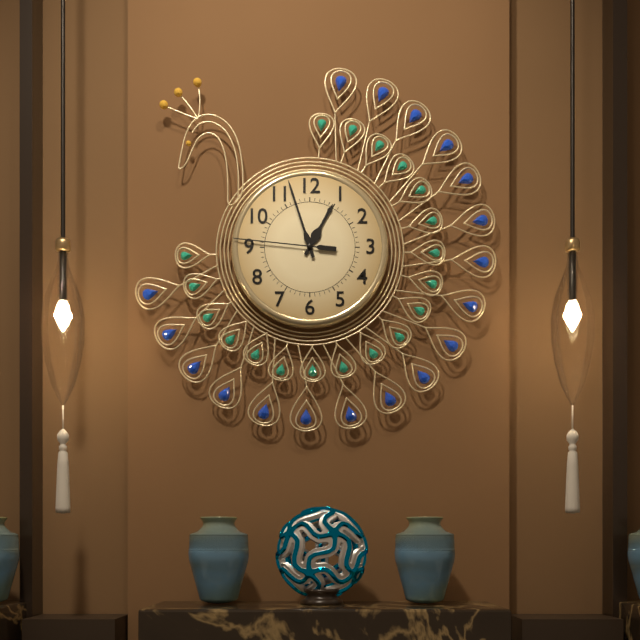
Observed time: 12h57m46s
